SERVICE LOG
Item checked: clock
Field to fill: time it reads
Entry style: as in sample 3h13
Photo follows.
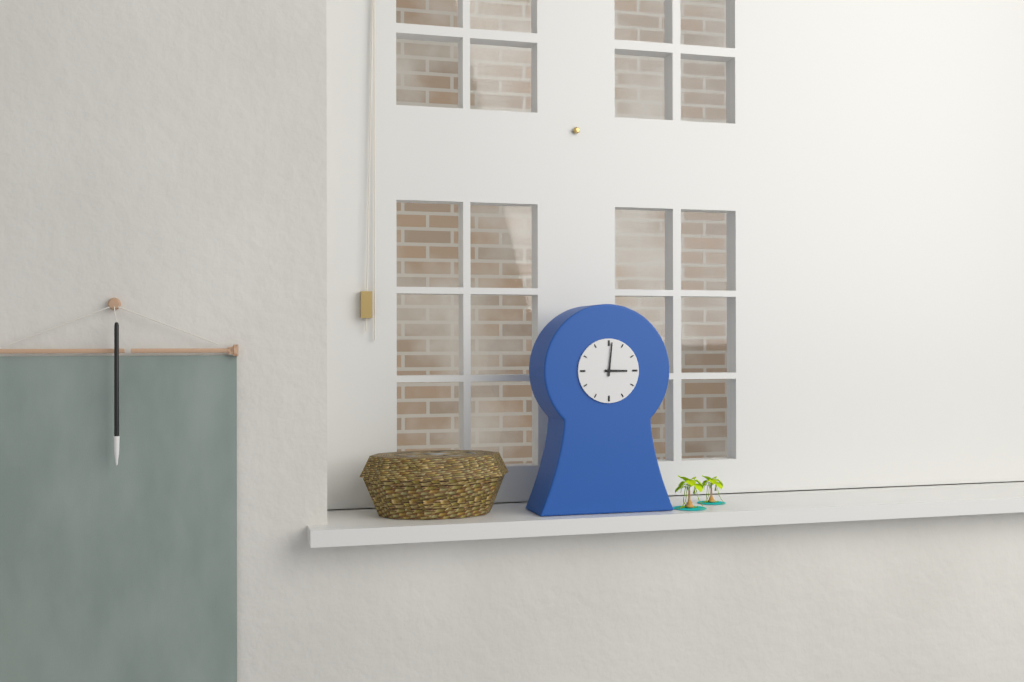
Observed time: 3h01
